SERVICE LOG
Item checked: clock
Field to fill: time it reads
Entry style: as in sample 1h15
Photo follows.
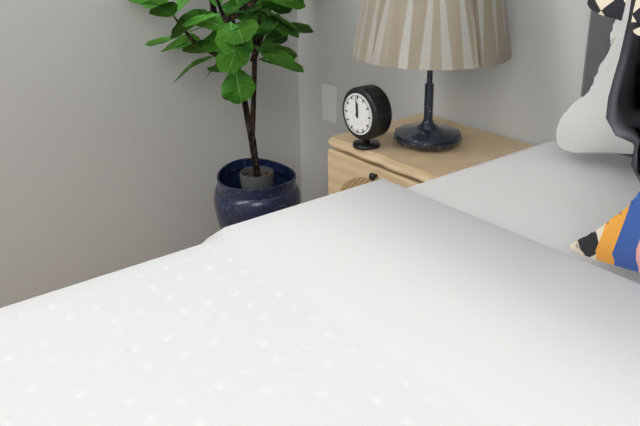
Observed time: 11h59
